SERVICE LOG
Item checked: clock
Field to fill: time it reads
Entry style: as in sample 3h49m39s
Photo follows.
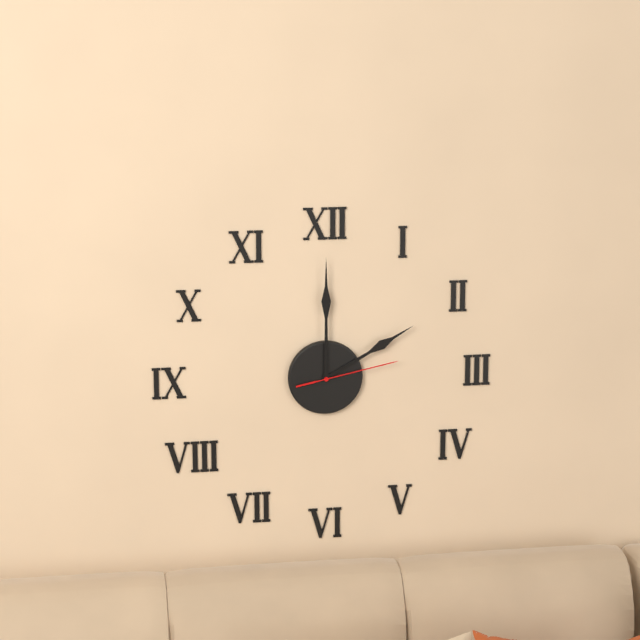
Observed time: 2h00m13s
